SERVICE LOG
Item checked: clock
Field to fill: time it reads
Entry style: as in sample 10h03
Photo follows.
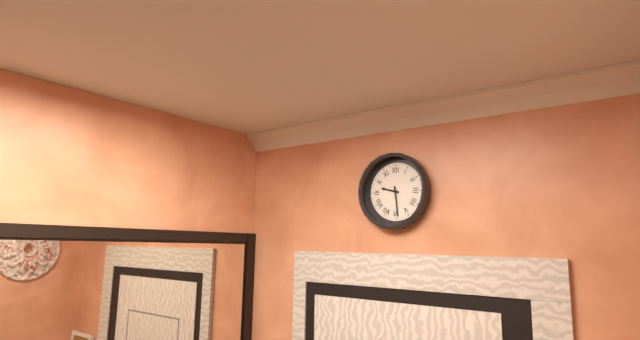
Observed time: 9h29
